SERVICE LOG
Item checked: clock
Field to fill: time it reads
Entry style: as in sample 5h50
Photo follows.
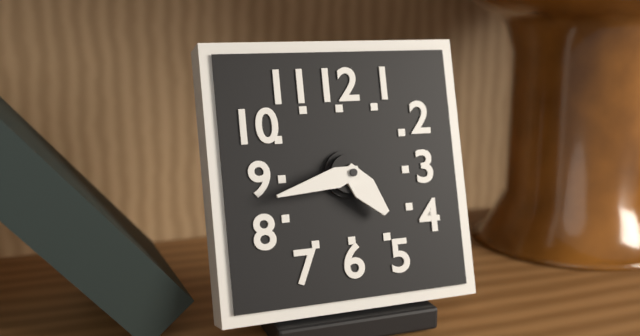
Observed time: 4h43
